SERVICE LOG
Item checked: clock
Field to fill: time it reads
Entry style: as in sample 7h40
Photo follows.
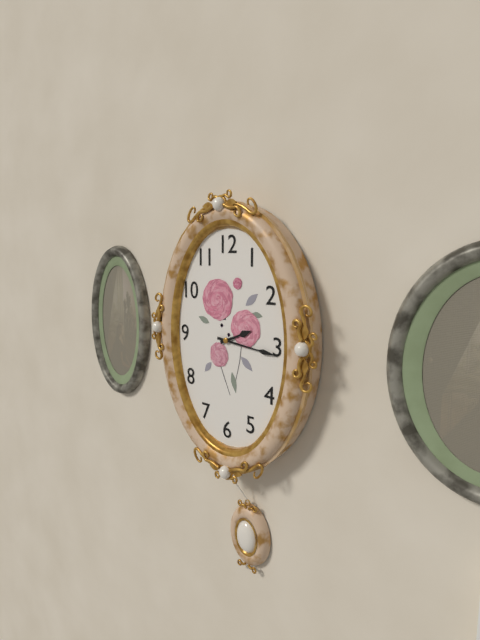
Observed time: 2h16
